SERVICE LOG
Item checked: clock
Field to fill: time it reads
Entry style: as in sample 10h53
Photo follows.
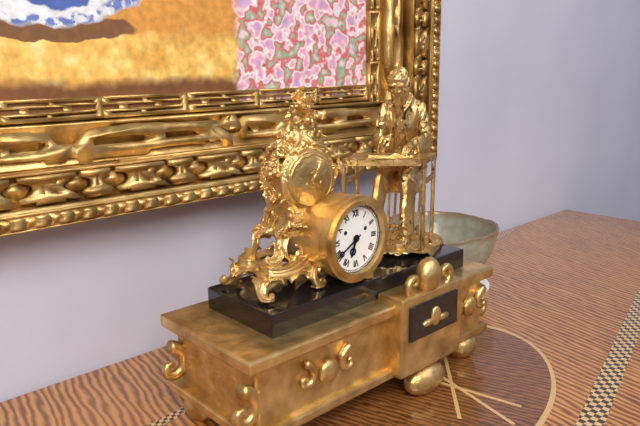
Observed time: 6h40
